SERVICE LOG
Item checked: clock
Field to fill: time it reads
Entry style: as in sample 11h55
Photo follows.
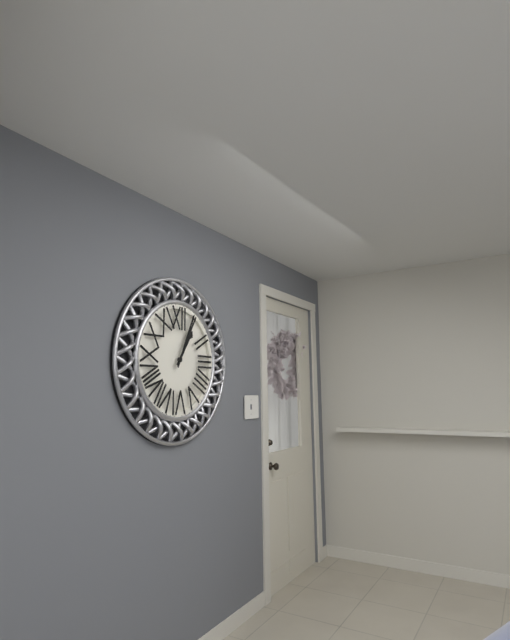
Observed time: 1h04
